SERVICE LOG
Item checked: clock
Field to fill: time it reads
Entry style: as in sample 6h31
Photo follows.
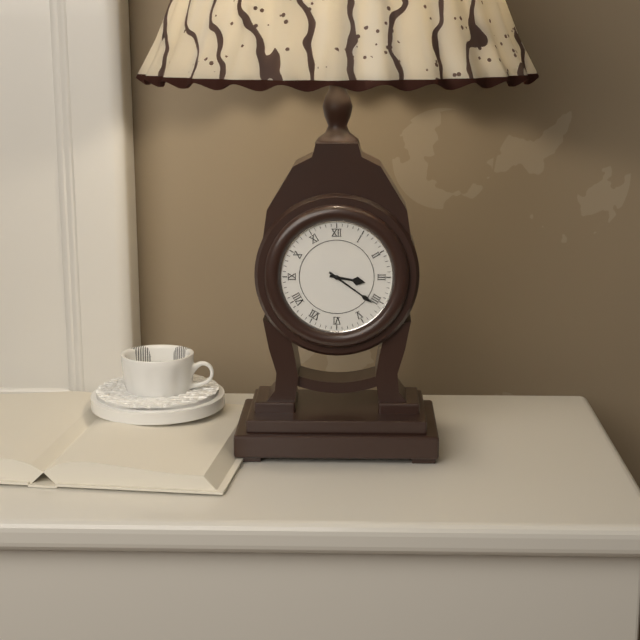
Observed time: 3h21
